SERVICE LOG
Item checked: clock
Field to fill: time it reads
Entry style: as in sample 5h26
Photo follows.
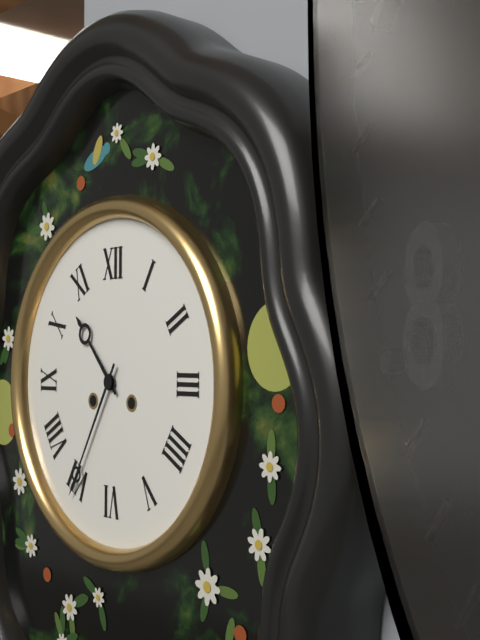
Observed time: 10h35
